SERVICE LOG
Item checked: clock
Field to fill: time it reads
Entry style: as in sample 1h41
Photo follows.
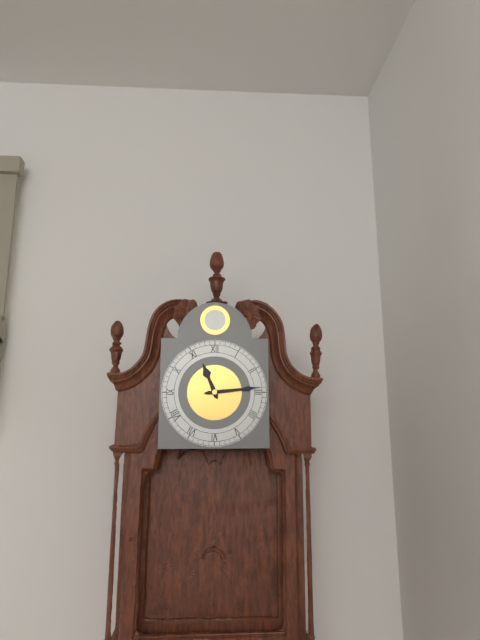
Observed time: 11h14
